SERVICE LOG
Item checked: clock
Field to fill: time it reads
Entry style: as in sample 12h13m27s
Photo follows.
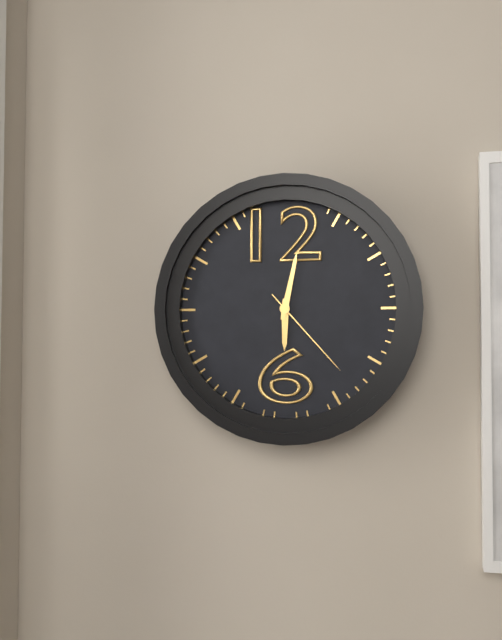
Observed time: 6h02m23s
